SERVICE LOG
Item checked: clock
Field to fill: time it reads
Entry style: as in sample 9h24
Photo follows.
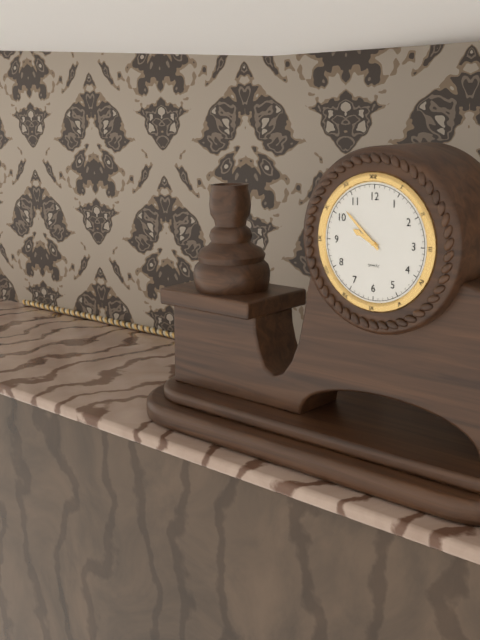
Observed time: 9h52
